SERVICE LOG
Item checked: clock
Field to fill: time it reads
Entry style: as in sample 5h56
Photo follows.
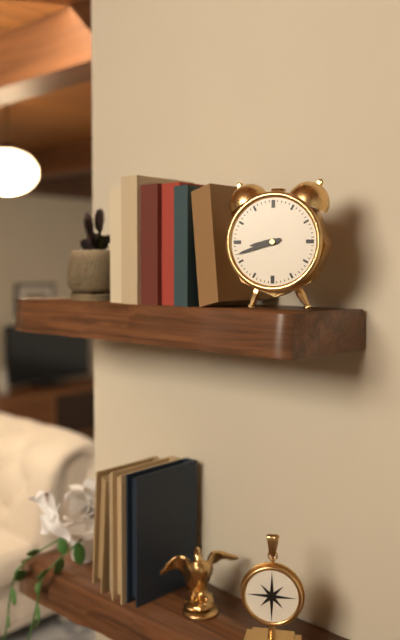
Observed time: 8h42
